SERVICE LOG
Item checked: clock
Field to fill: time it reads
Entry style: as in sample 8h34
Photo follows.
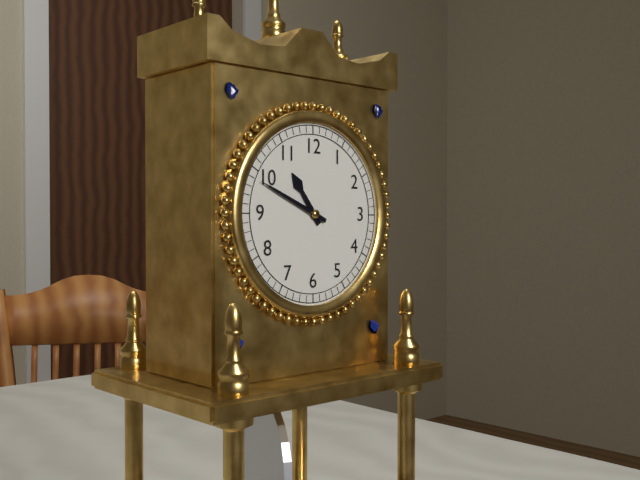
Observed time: 10h49
